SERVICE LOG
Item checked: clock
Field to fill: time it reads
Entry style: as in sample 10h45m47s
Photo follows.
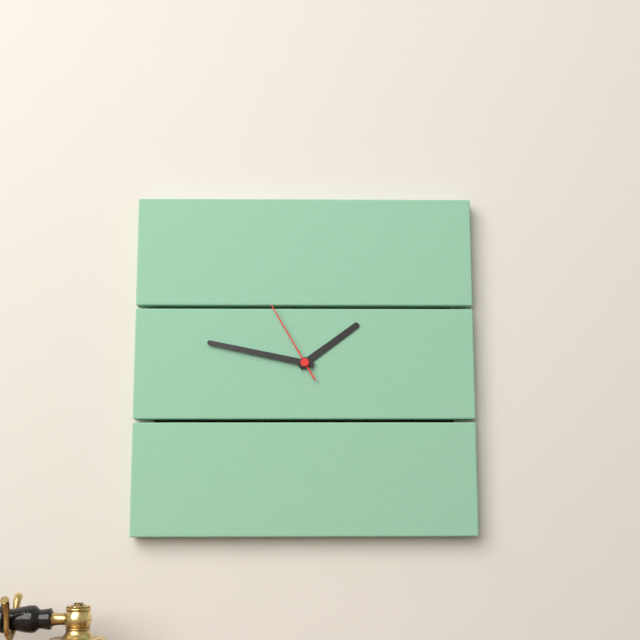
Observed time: 1h47m55s
